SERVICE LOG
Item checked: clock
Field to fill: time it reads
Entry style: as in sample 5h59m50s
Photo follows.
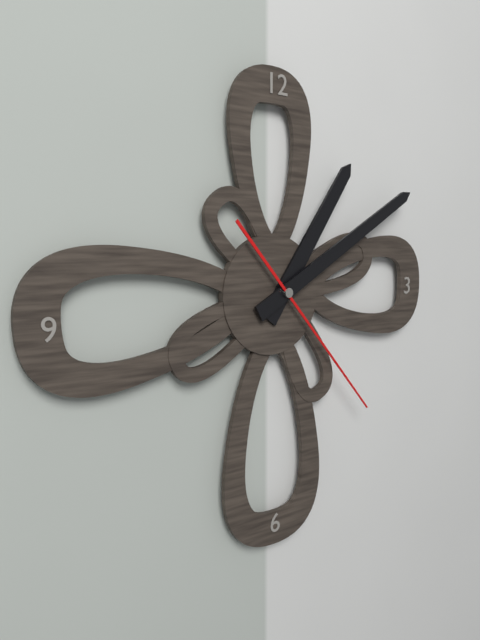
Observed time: 1h10m23s
